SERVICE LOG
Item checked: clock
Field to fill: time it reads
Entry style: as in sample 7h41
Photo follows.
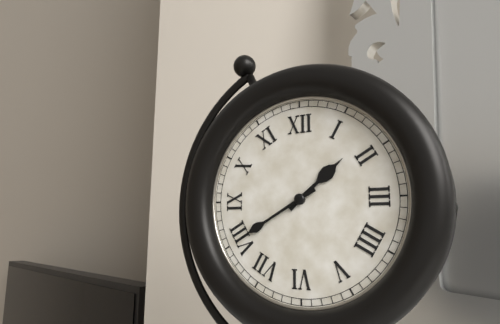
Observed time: 1h40
